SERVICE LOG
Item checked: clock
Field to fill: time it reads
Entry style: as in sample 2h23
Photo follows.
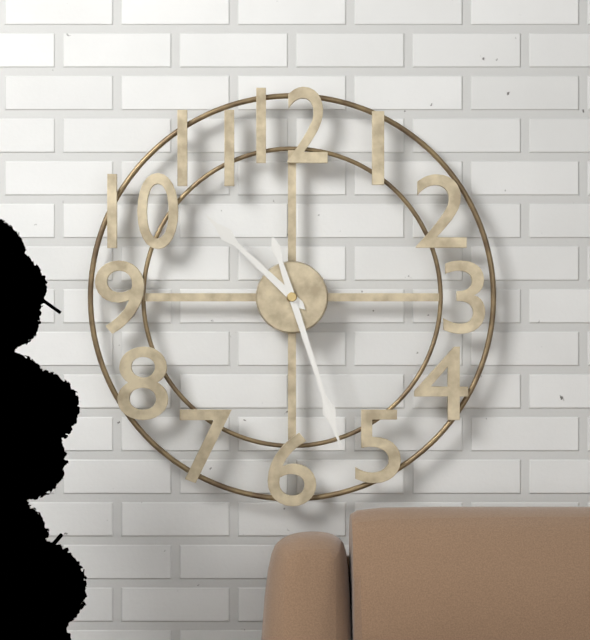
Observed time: 10h27
